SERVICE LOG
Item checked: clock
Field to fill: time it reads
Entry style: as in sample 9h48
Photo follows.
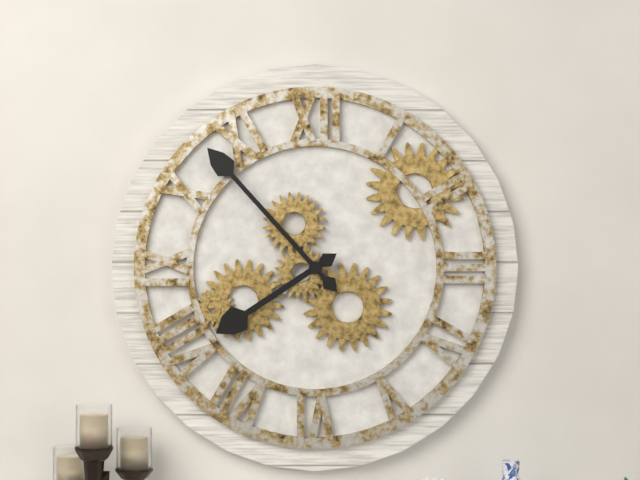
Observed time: 7h53
